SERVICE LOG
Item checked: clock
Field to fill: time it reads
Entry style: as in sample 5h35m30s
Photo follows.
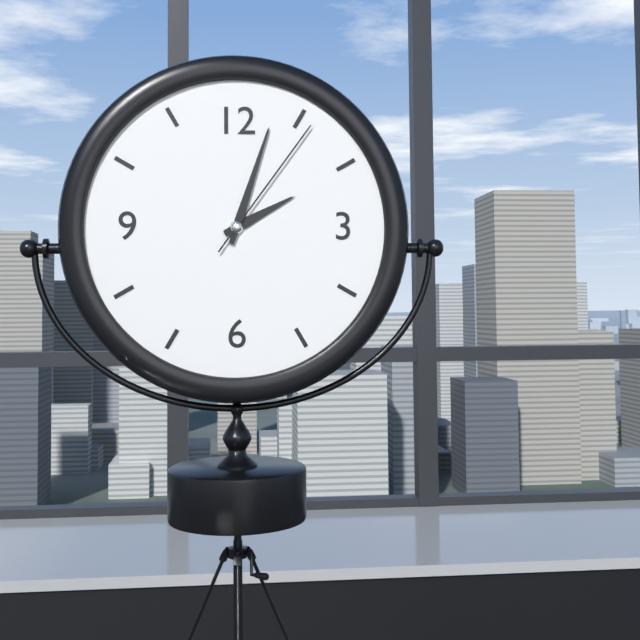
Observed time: 2h03m06s
